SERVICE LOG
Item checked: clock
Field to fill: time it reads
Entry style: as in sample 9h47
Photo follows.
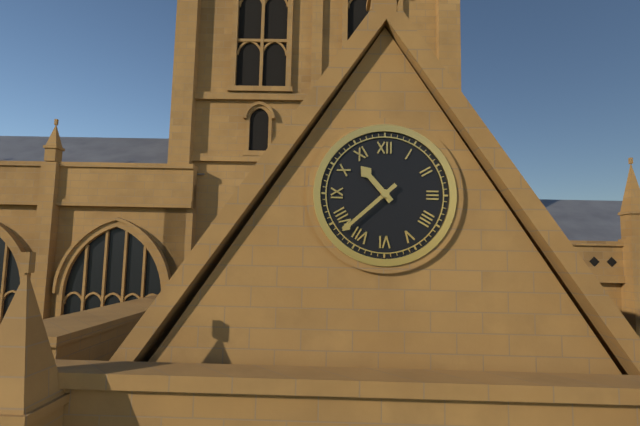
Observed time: 10h38
